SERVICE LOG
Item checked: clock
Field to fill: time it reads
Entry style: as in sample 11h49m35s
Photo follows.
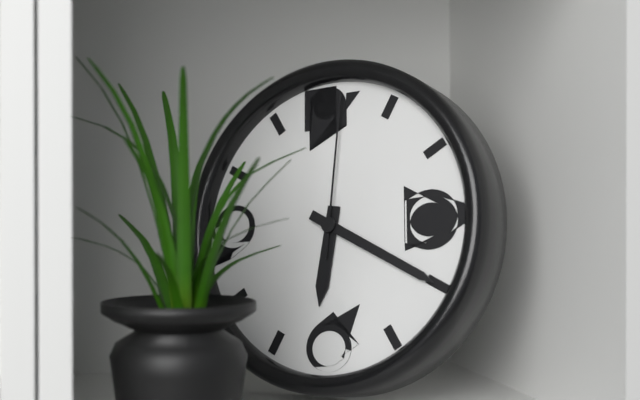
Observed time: 6h20m01s
